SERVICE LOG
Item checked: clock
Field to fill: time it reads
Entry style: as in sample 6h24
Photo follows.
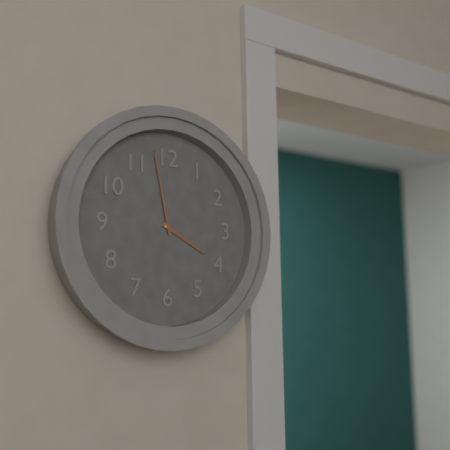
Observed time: 3h58
